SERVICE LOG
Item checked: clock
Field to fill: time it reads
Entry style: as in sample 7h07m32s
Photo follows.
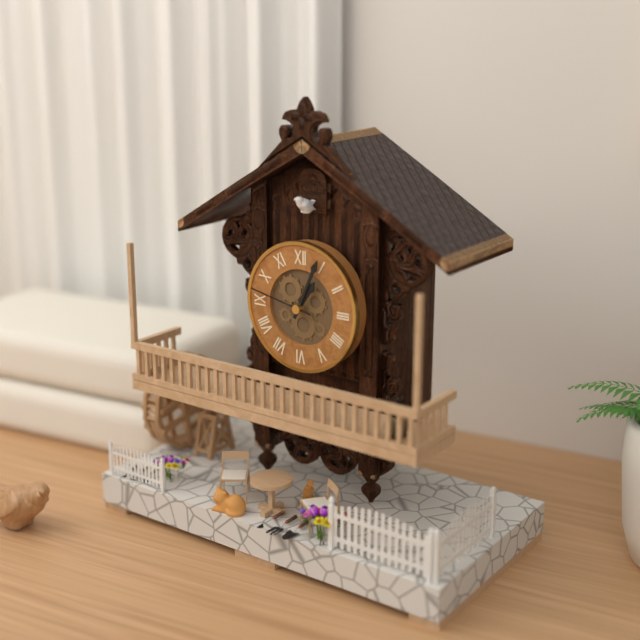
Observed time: 1h04m47s
